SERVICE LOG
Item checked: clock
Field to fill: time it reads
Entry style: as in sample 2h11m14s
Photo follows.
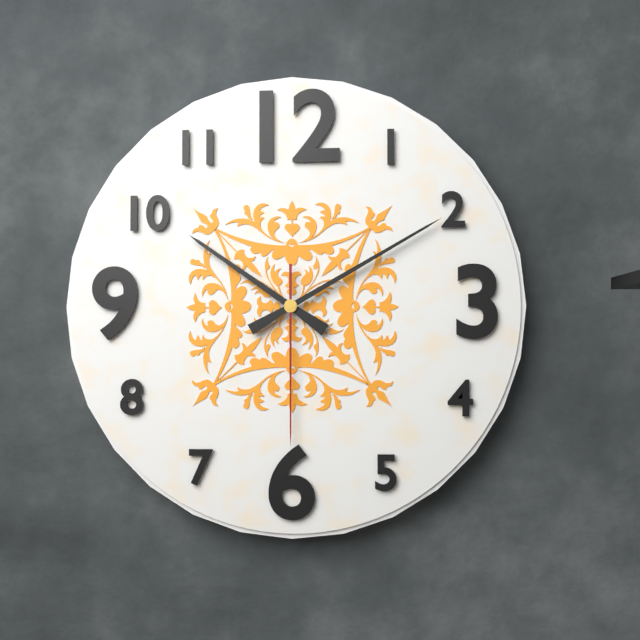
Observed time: 10h10m30s
